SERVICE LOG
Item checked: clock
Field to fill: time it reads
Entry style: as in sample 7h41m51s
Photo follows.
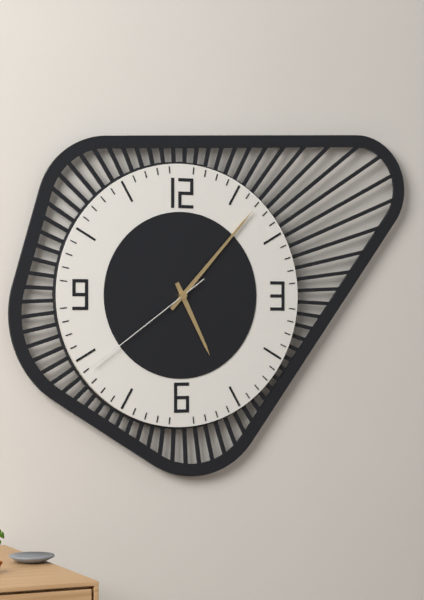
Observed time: 5h07m39s
